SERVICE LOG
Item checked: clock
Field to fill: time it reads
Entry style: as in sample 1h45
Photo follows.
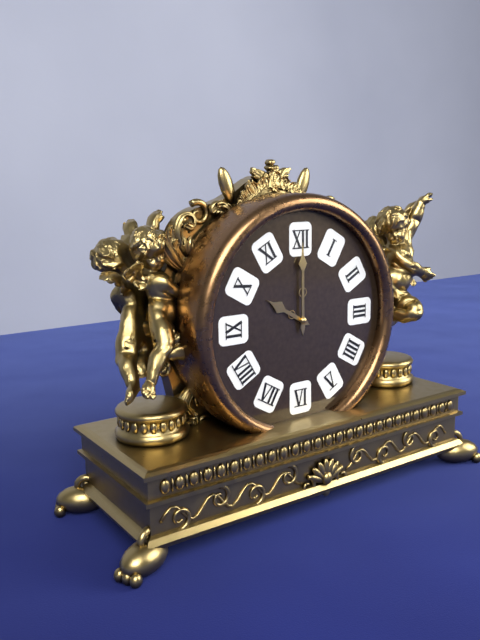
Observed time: 10h00
